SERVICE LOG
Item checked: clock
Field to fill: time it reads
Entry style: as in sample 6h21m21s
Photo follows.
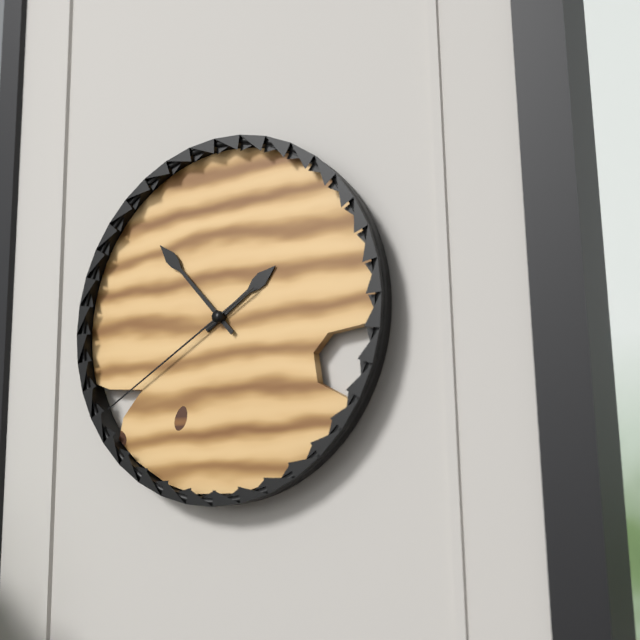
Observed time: 1h53m40s
